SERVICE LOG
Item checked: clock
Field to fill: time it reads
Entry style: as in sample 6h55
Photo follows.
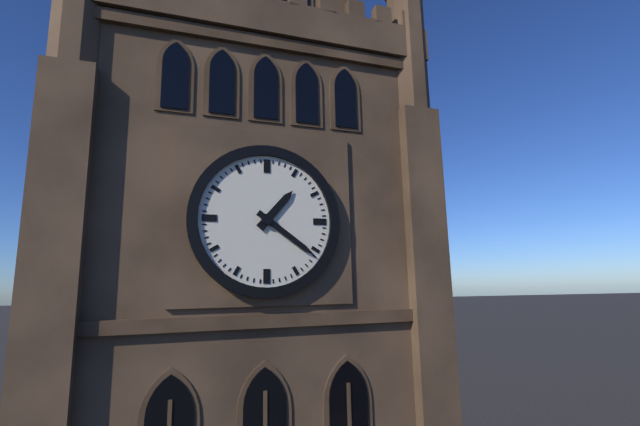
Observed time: 1h21
